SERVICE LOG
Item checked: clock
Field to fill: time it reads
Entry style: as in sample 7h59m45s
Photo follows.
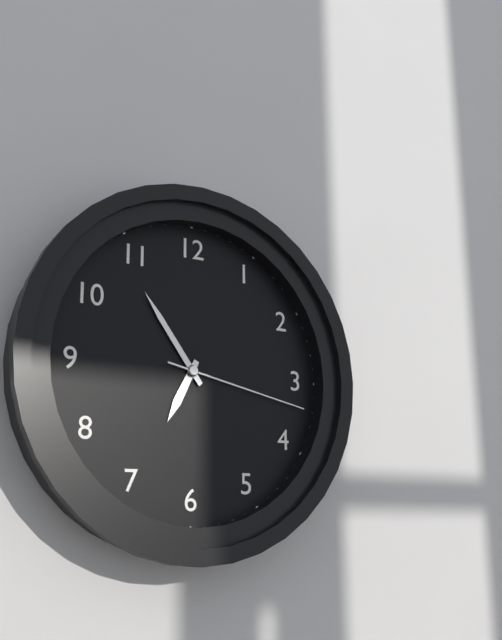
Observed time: 6h54m17s
